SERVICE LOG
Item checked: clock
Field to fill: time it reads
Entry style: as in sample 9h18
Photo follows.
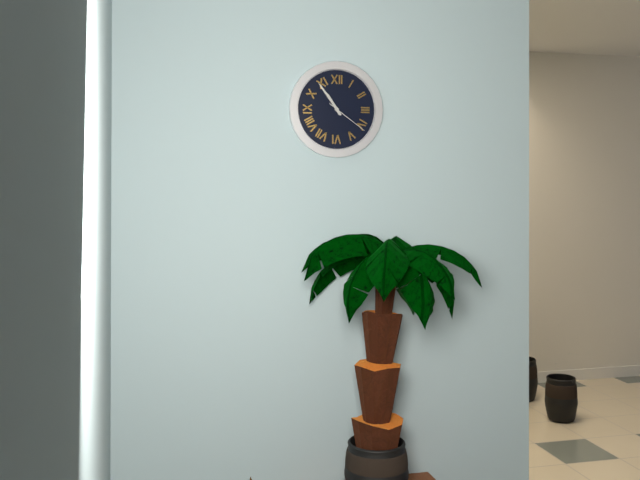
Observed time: 10h54
